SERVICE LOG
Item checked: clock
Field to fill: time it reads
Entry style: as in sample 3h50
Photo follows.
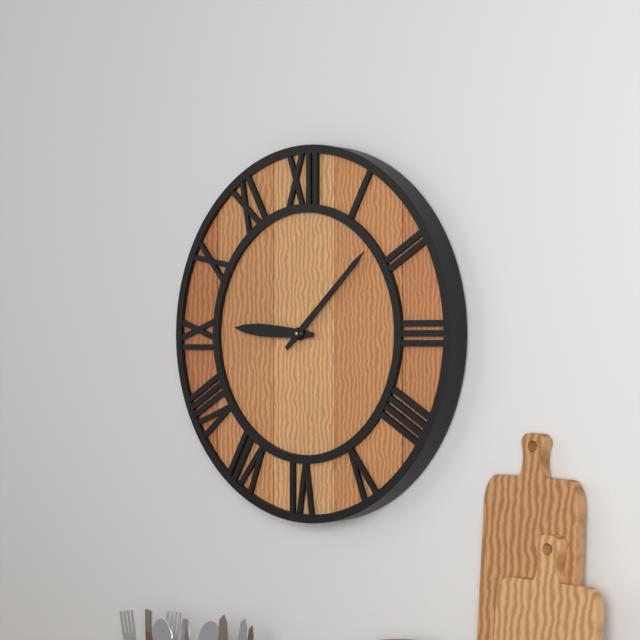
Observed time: 9h08
